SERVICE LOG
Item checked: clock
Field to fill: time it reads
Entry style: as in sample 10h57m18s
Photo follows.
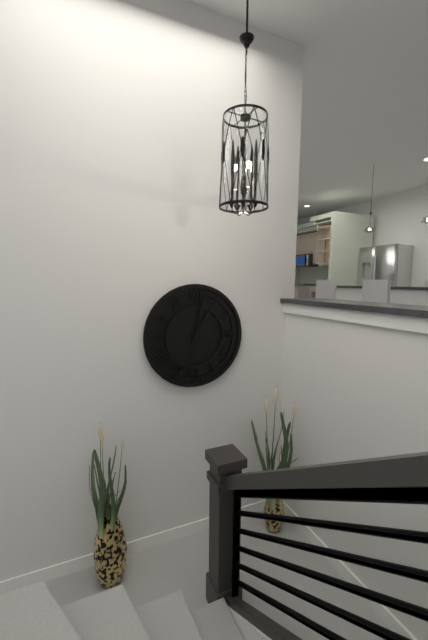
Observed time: 1h02m33s
